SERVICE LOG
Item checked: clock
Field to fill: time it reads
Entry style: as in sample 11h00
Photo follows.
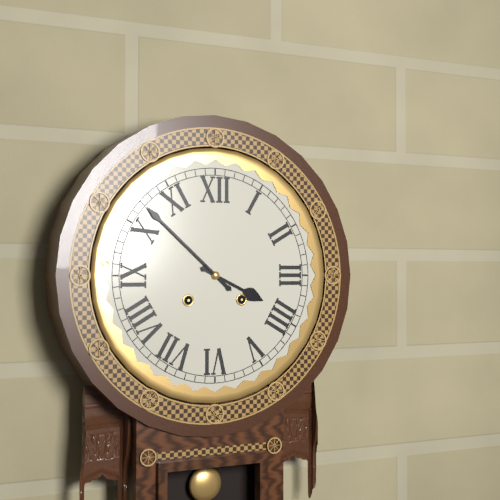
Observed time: 3h52
